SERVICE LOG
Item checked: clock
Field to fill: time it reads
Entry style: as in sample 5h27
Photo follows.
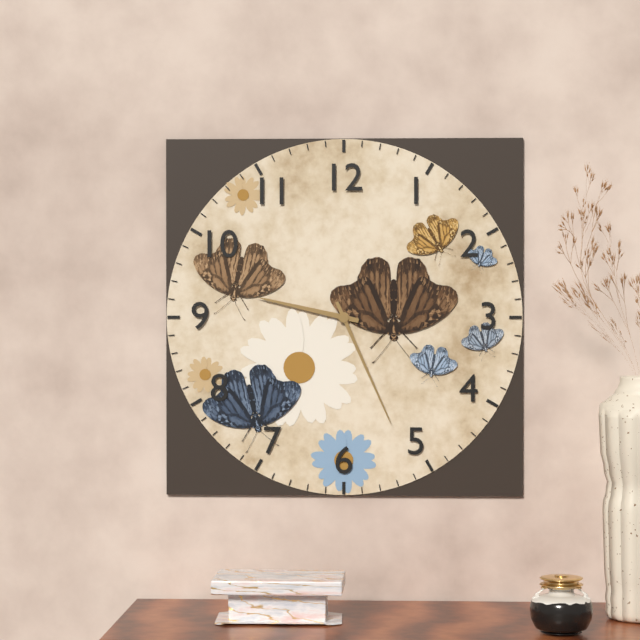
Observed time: 9h26
